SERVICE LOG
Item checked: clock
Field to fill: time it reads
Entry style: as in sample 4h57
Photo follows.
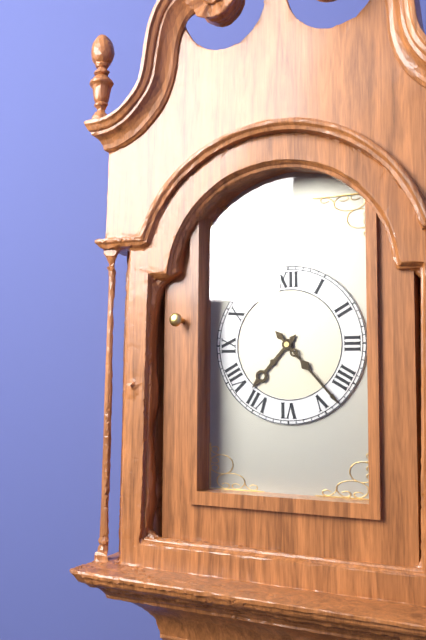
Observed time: 7h23
